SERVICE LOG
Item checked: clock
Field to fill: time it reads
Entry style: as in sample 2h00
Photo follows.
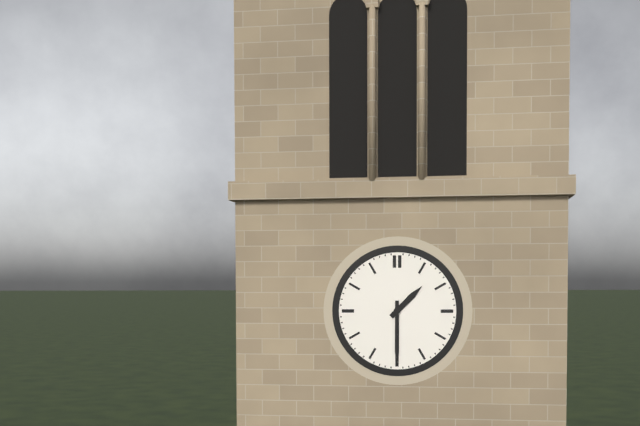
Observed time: 1h30
